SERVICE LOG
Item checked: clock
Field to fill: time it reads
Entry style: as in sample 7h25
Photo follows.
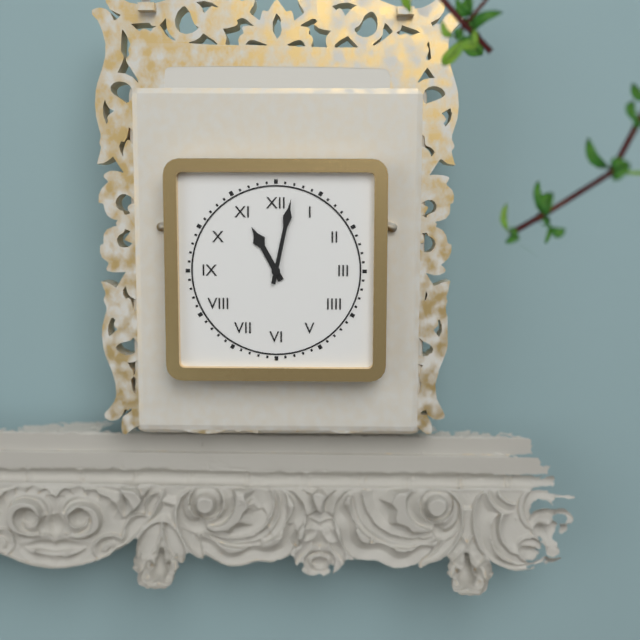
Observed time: 11h02
